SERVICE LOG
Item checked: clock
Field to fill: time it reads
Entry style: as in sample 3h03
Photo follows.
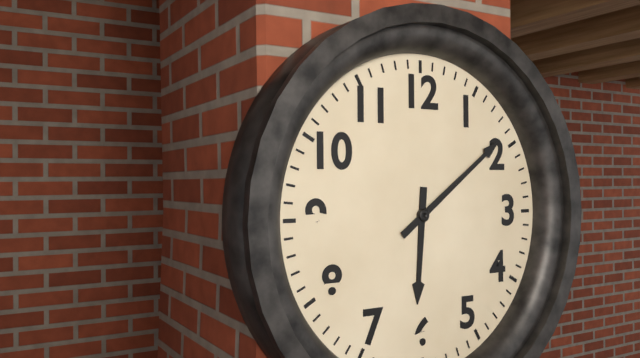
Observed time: 6h09
